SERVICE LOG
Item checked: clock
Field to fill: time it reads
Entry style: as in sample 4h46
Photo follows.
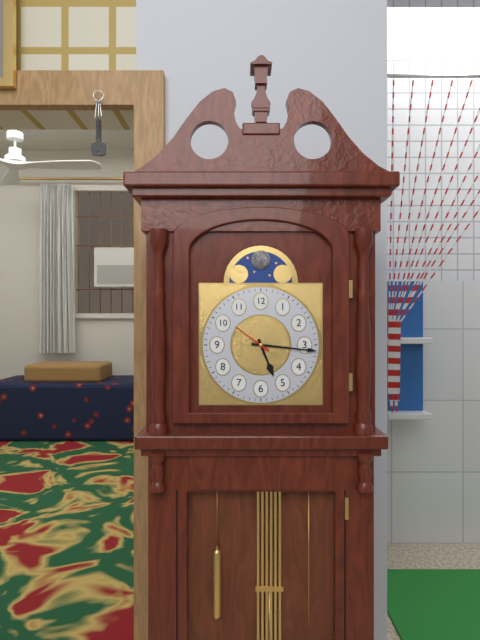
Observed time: 5h16
